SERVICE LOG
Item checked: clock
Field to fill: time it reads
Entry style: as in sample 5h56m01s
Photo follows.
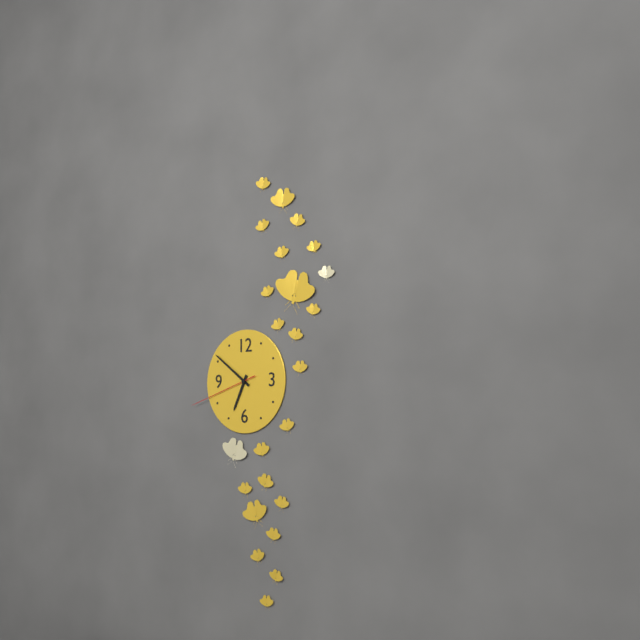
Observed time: 6h51m42s
